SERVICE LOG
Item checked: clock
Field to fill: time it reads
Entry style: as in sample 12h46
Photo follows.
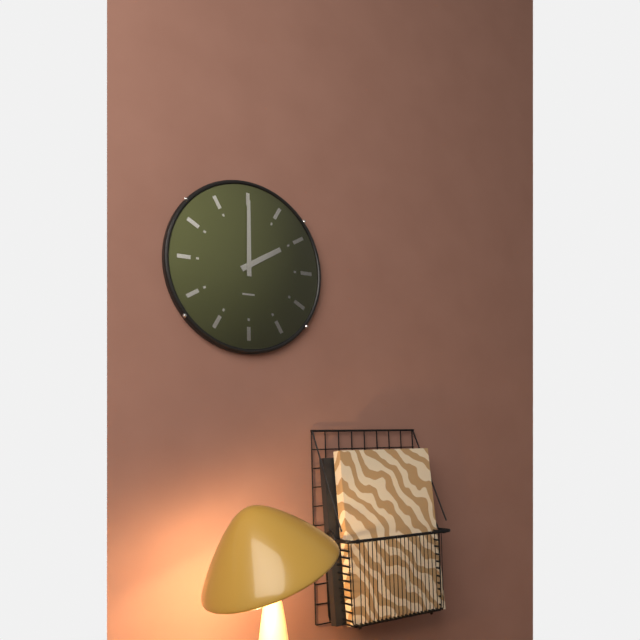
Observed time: 2h00
